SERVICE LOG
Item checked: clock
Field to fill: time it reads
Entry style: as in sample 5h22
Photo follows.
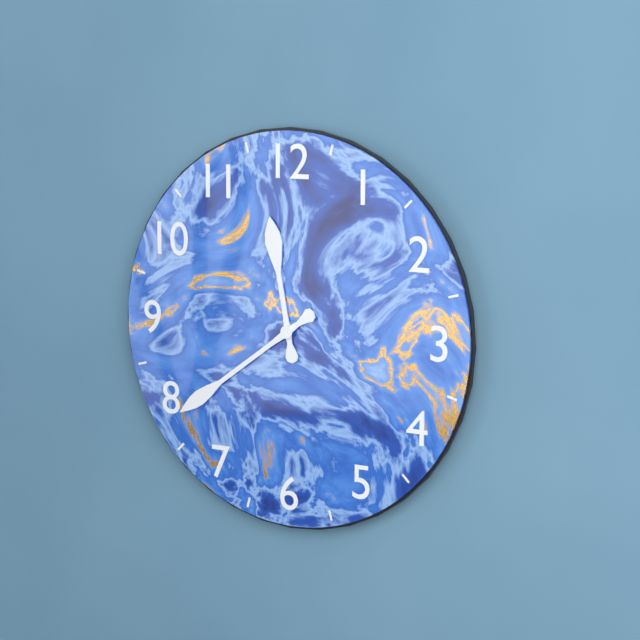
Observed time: 11h39
